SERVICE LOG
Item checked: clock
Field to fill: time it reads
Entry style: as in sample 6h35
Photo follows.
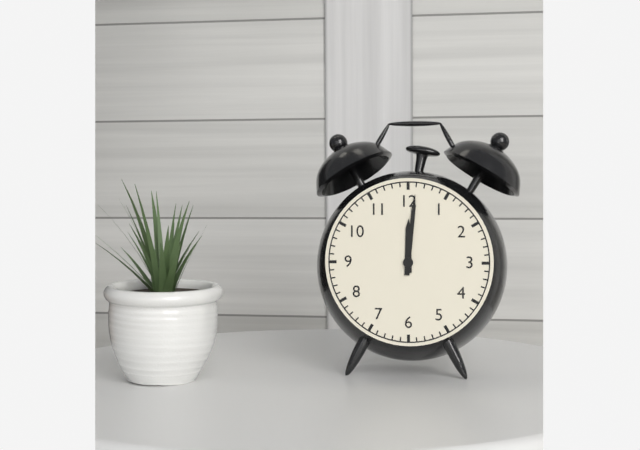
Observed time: 12h01
